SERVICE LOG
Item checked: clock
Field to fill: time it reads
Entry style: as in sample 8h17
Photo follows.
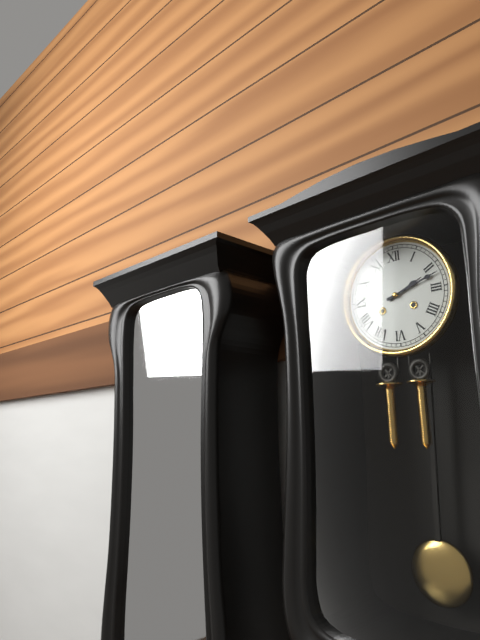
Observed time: 9h07
